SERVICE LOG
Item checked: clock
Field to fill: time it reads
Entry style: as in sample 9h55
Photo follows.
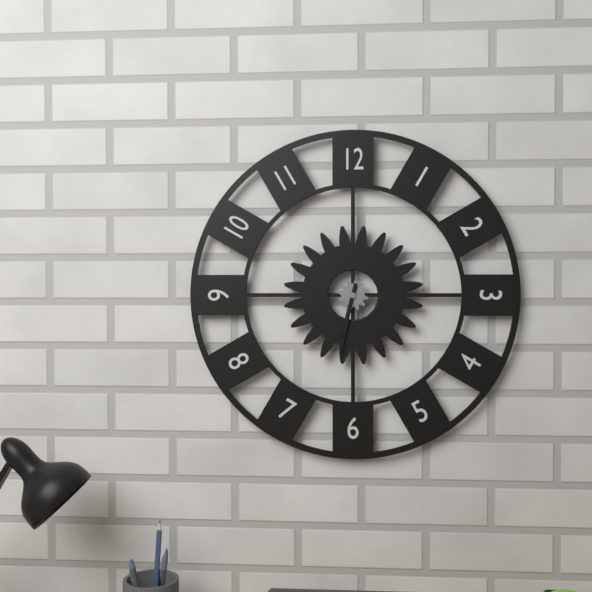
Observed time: 6h32
